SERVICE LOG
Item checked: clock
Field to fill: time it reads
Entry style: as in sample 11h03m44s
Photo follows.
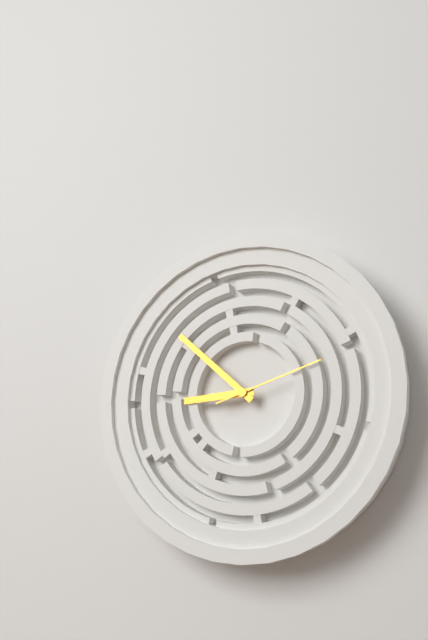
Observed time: 8h52m12s
